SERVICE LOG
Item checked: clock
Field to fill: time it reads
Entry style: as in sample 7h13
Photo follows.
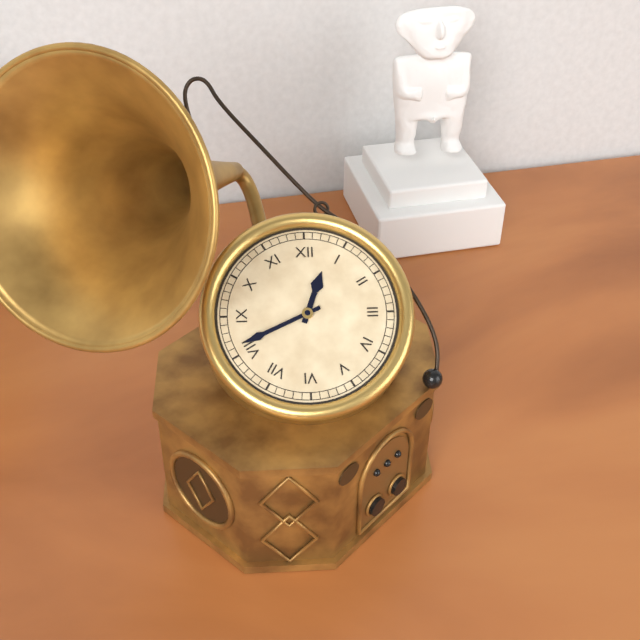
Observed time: 12h41
